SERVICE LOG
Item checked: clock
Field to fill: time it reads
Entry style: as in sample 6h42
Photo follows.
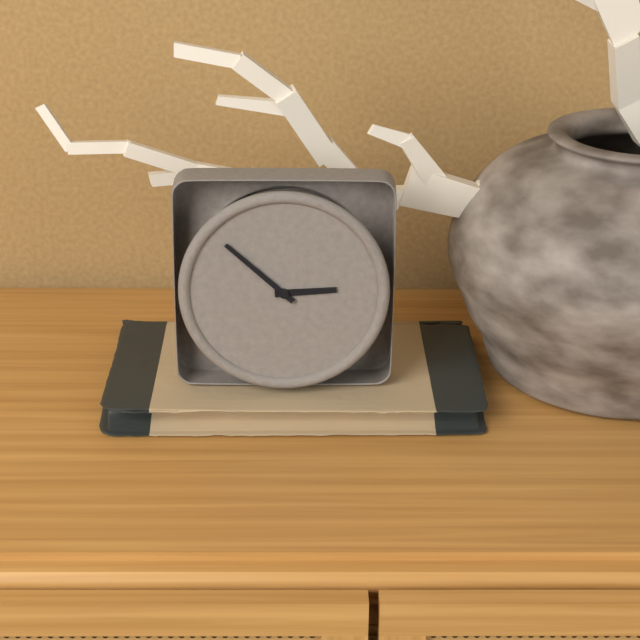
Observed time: 2h52
